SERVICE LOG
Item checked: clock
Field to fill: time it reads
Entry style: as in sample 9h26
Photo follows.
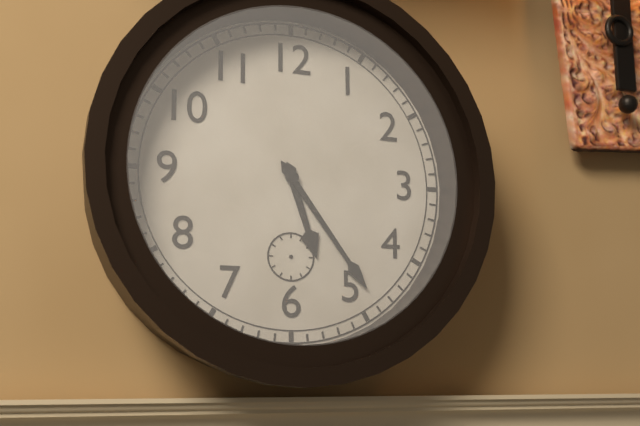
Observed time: 5h24
